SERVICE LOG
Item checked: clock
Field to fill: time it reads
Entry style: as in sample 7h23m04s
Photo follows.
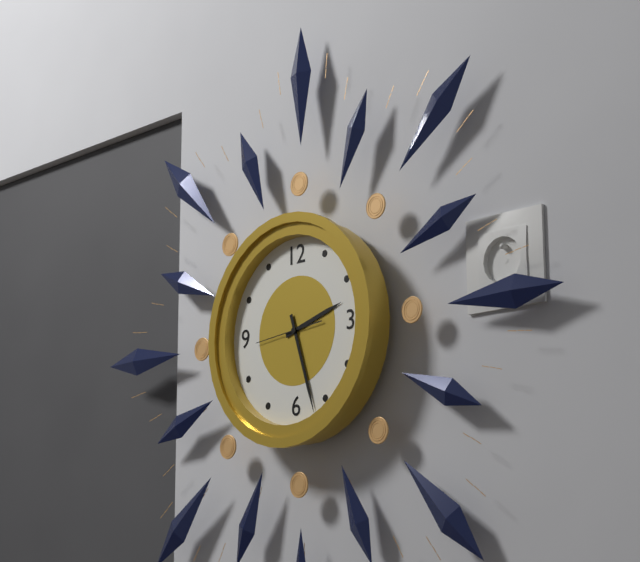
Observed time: 2h27m44s
